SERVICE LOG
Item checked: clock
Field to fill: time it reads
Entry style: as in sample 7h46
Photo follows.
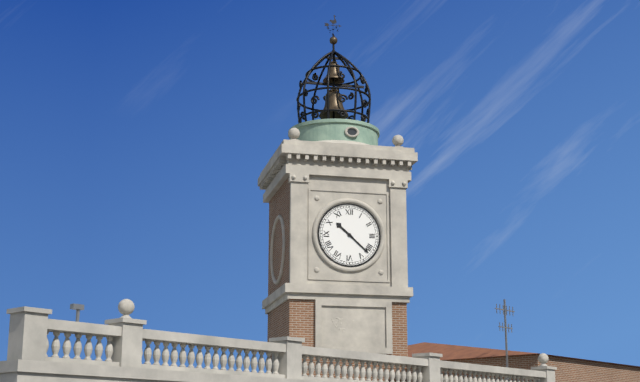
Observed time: 10h22
